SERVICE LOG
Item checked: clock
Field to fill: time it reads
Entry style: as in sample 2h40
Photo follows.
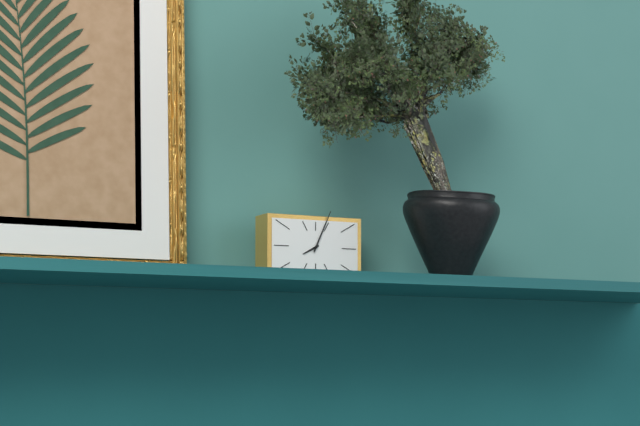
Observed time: 8h04
